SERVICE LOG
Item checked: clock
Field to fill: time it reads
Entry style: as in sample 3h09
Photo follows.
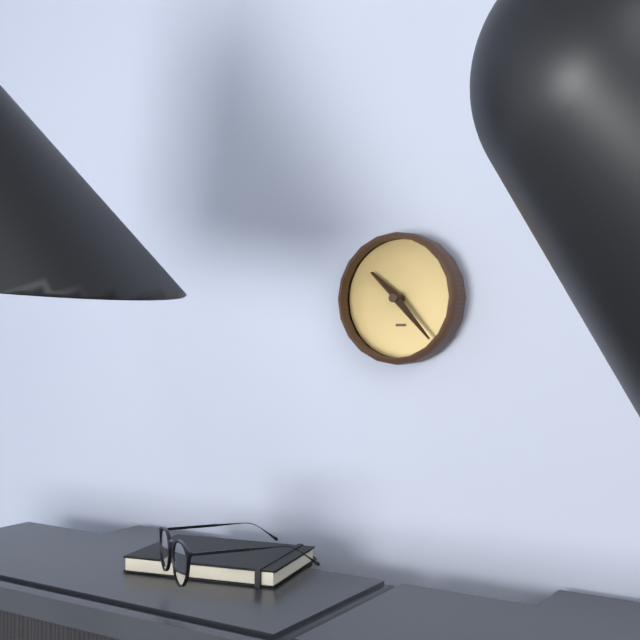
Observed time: 10h23
